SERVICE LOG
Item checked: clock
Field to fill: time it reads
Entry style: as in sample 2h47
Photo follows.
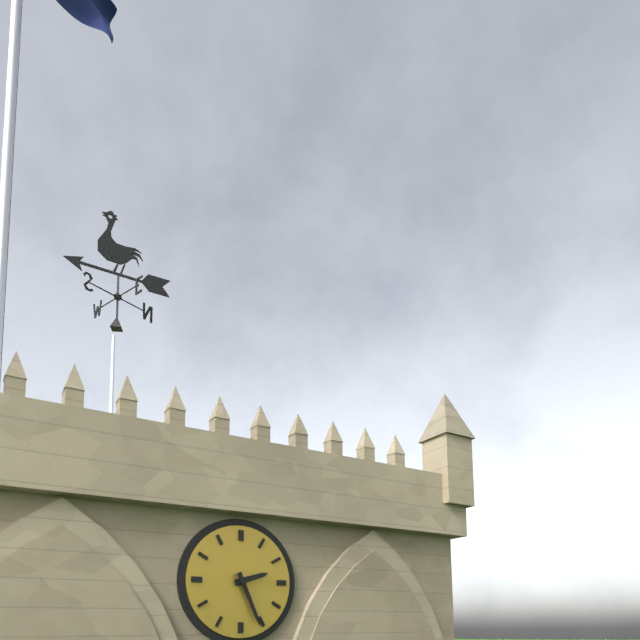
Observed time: 2h26
